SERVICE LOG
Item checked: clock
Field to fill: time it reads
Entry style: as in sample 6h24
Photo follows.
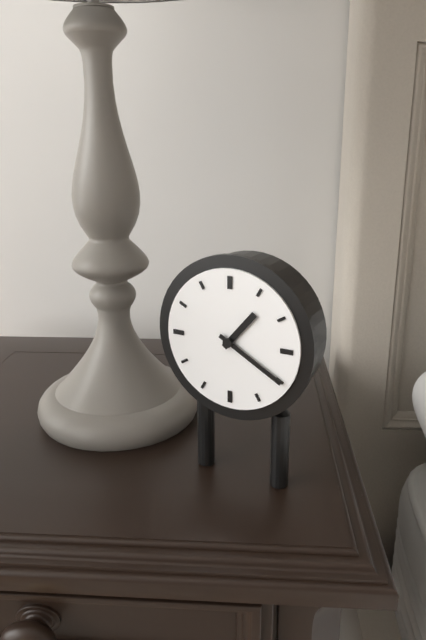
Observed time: 1h20
